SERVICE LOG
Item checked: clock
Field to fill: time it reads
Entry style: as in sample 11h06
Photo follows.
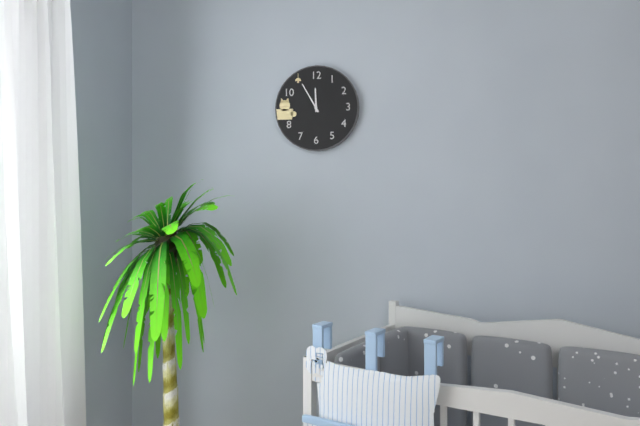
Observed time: 11h55
